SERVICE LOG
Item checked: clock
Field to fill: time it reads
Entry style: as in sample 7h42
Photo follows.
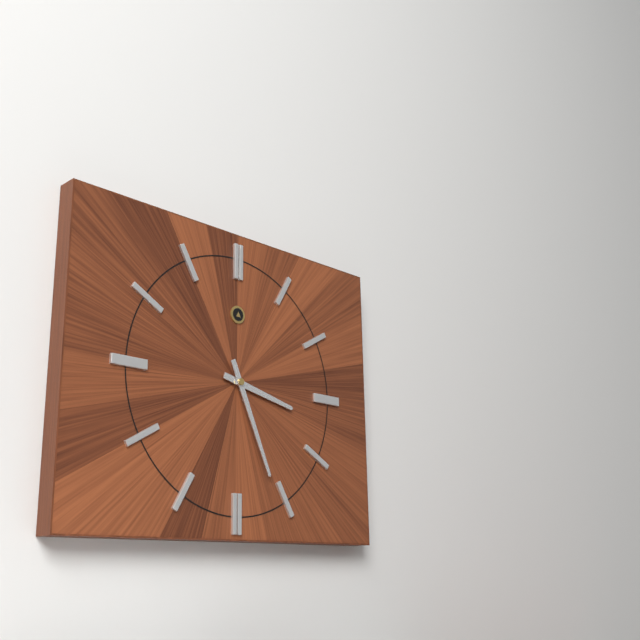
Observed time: 3h26
